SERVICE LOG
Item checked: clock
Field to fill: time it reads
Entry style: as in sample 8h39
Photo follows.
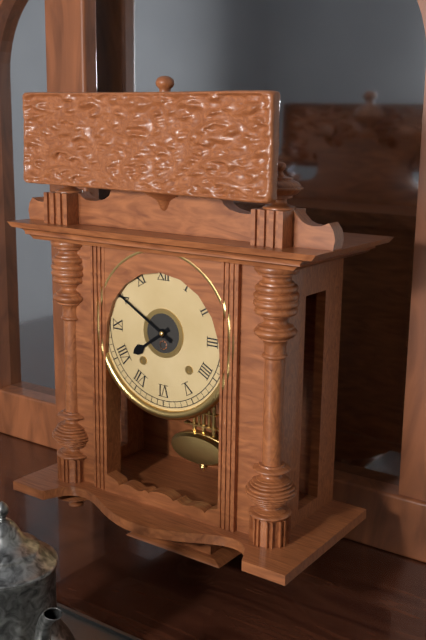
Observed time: 7h50
